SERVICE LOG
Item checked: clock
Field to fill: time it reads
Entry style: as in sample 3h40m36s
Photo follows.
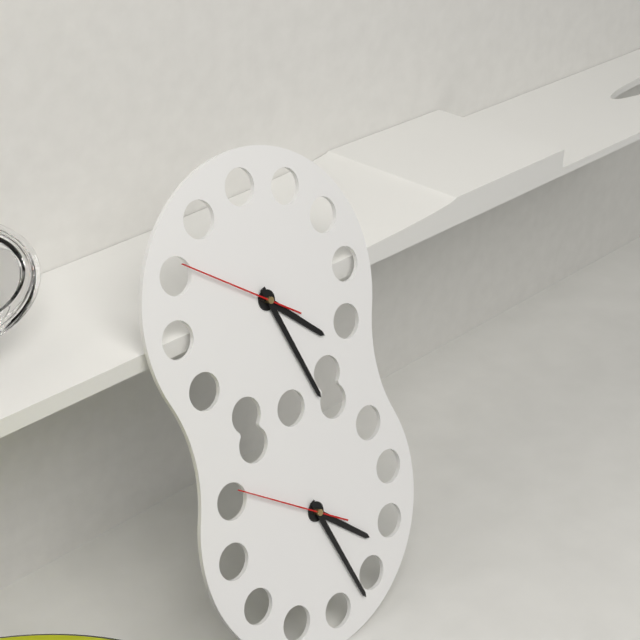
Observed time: 4h27m51s
